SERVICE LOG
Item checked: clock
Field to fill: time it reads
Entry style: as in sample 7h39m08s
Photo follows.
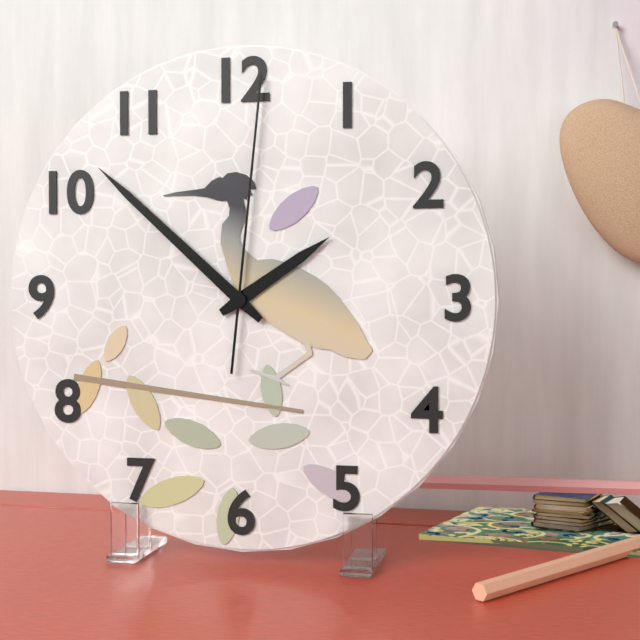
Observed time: 1h52m01s
